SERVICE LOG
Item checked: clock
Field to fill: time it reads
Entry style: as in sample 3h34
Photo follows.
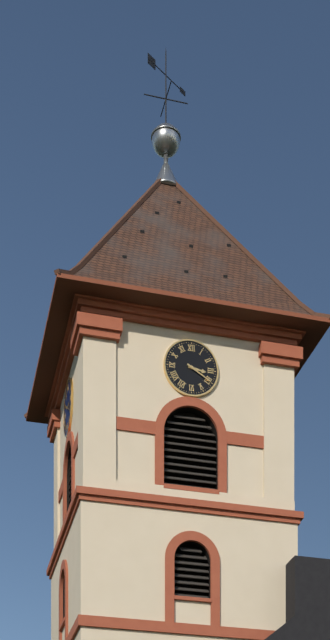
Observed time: 3h20
